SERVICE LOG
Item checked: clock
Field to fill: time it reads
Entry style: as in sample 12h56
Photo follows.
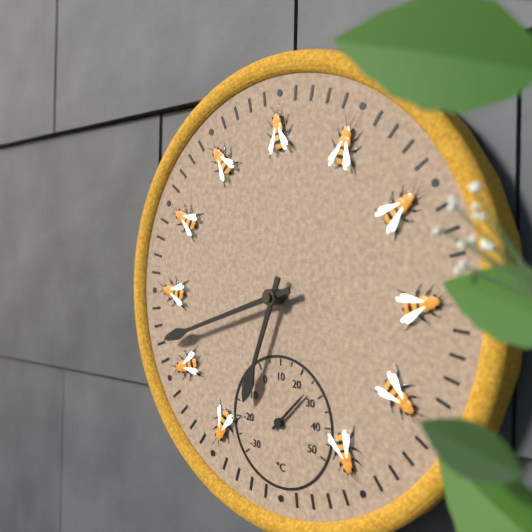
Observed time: 6h42
